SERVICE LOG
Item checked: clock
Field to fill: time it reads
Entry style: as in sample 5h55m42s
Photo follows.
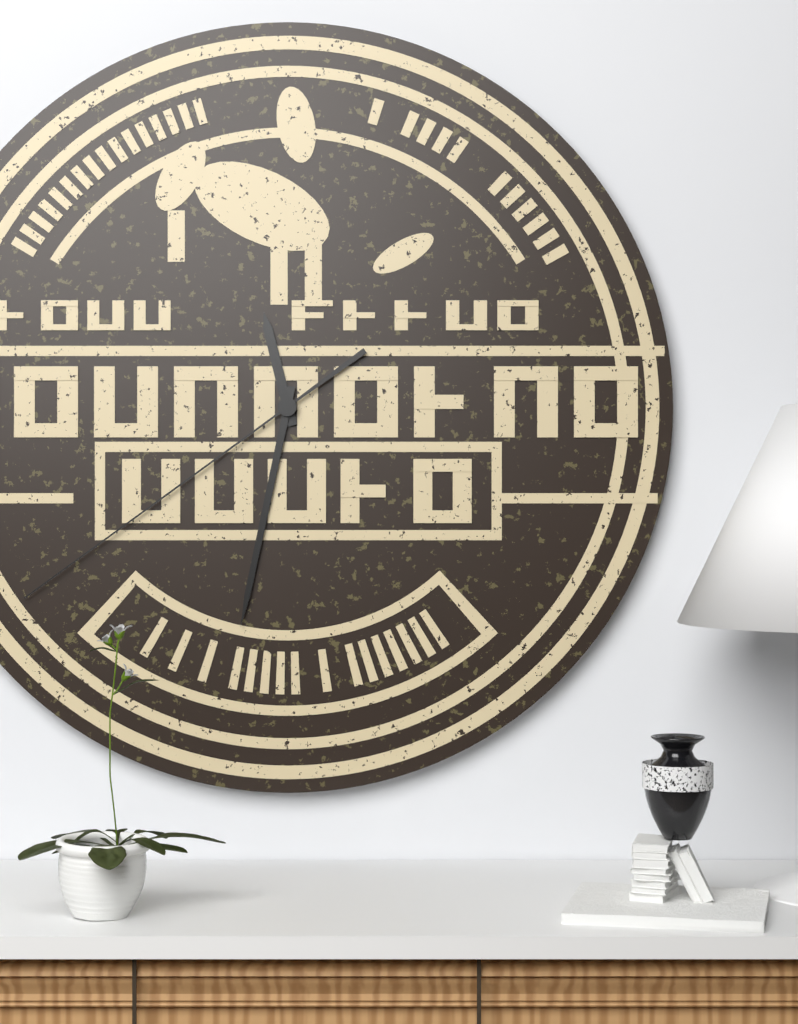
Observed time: 11h32m39s
